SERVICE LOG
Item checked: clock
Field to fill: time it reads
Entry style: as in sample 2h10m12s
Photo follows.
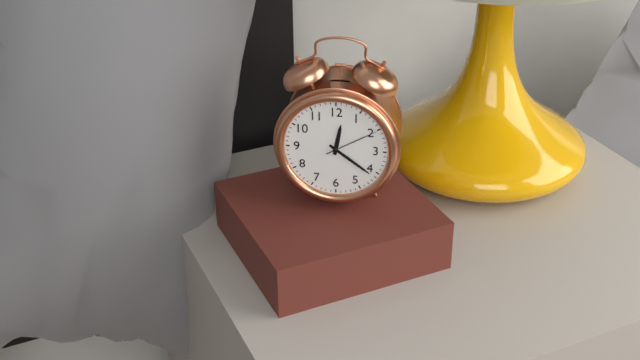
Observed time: 12h21m10s
